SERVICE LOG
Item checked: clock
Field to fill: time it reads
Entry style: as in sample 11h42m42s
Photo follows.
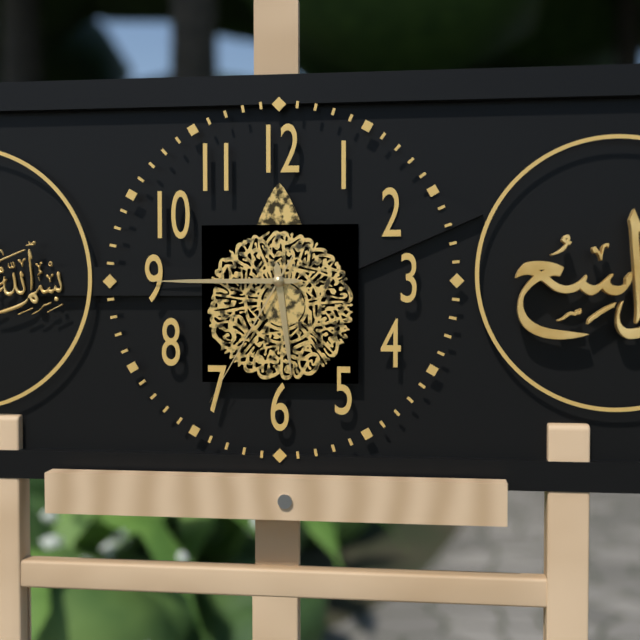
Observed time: 5h45m35s
